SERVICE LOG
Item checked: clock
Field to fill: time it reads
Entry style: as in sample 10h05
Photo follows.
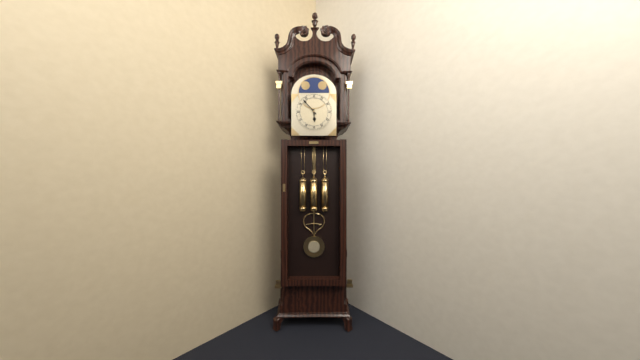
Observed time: 5h53
